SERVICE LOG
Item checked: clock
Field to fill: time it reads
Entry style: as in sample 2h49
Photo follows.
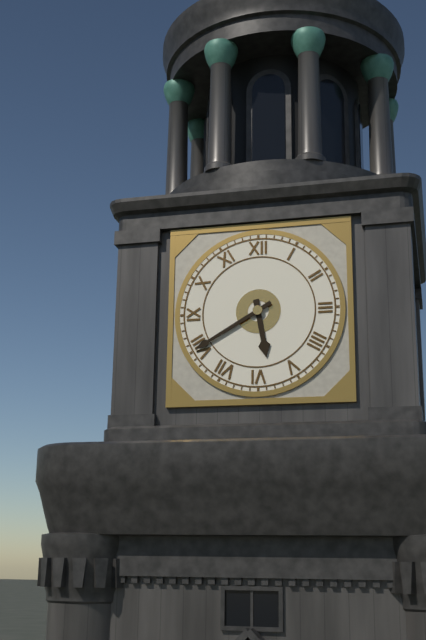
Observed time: 5h40
